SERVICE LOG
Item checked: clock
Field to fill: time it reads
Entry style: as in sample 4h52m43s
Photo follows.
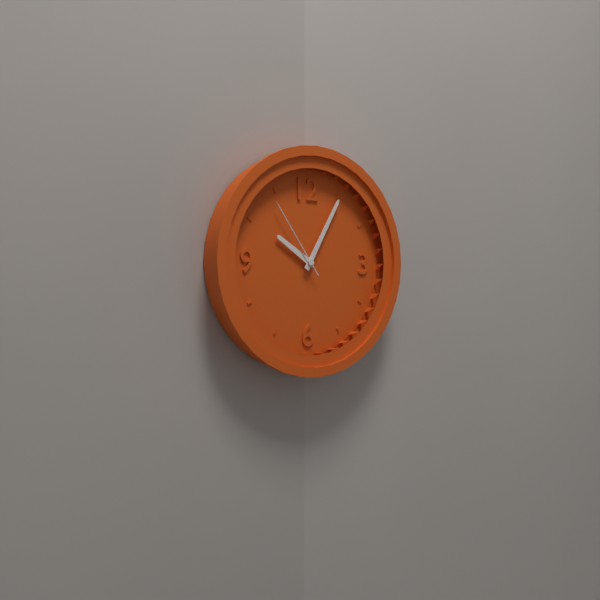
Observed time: 10h05m54s
